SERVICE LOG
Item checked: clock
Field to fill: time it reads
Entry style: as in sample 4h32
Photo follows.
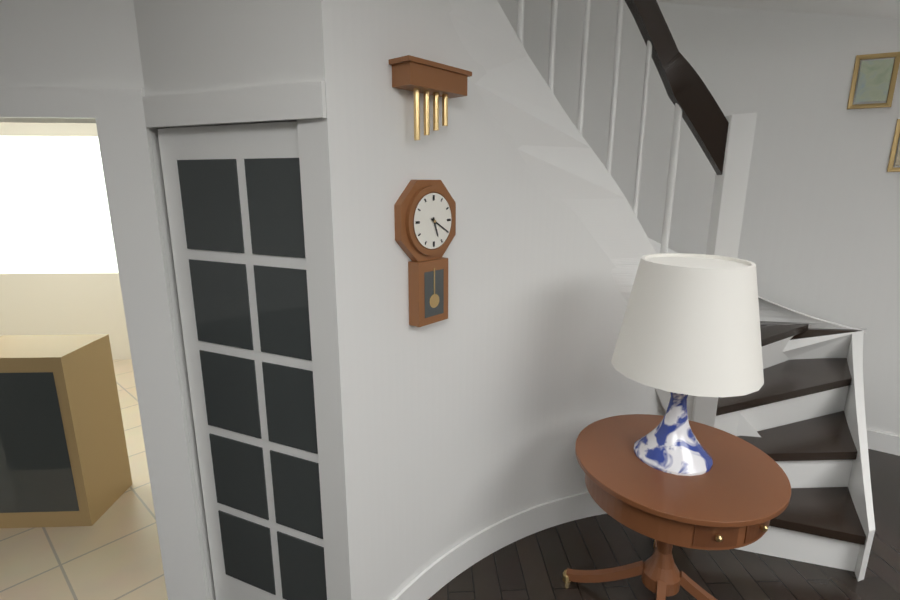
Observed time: 5h20
